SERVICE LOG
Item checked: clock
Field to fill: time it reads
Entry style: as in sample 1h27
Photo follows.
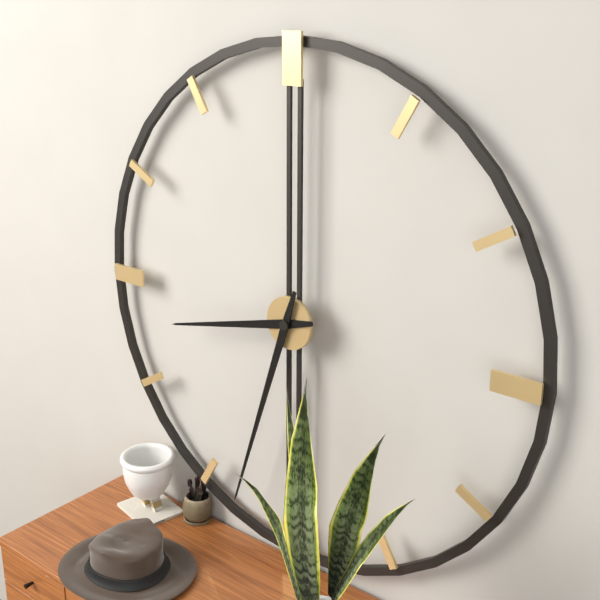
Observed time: 8h33
